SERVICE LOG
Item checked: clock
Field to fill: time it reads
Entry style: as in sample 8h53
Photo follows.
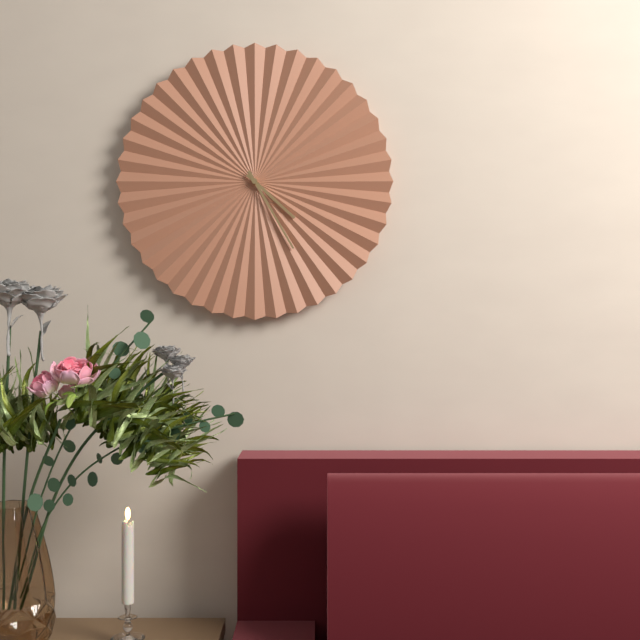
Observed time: 4h25
